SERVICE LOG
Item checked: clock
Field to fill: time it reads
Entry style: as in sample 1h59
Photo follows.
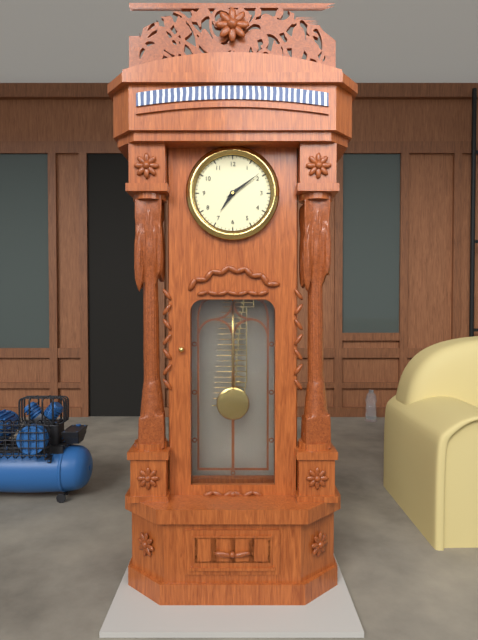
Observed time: 7h09
